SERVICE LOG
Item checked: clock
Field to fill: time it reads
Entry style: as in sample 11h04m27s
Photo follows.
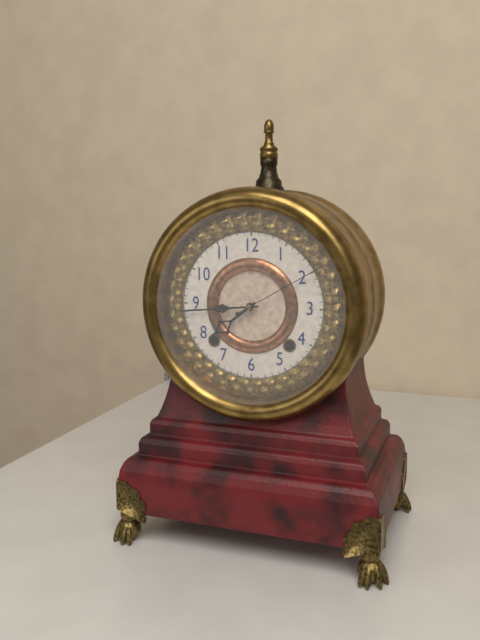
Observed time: 7h44m10s
